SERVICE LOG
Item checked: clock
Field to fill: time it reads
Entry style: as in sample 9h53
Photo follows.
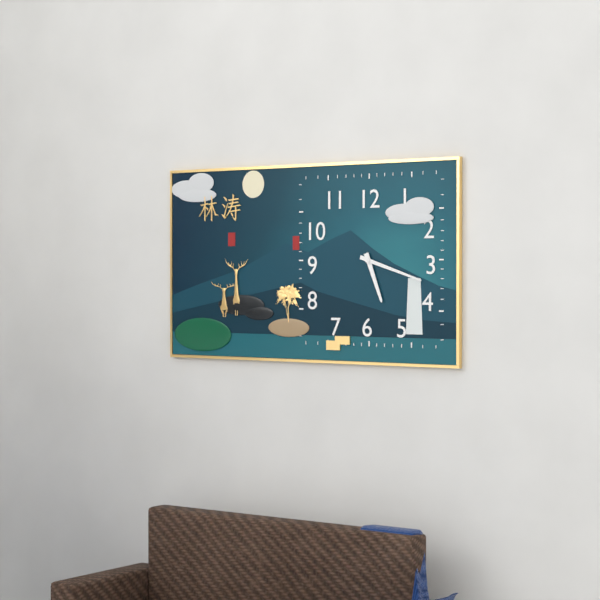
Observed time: 5h18
